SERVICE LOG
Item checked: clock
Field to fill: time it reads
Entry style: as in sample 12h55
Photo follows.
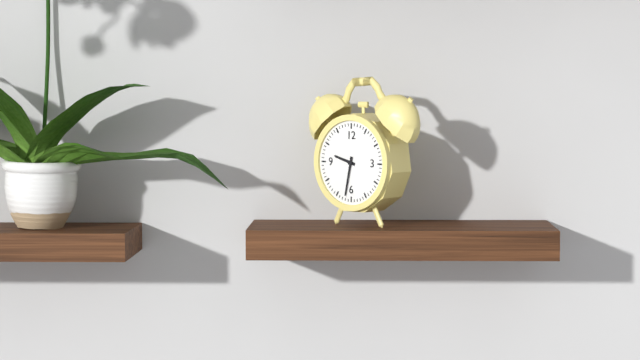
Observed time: 9h32
